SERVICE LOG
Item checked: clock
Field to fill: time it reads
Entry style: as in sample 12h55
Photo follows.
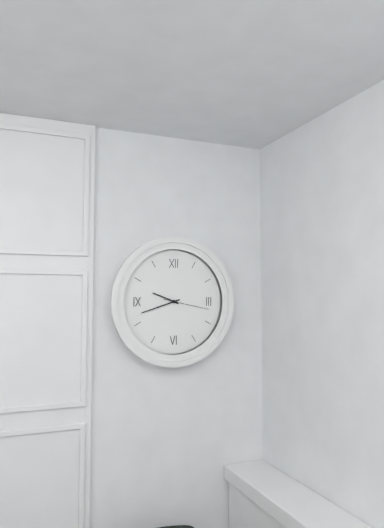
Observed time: 9h42
